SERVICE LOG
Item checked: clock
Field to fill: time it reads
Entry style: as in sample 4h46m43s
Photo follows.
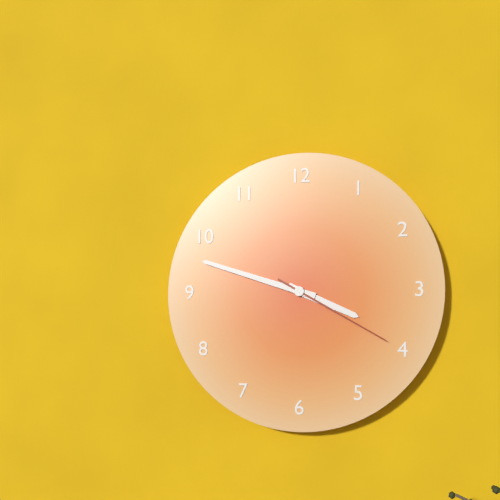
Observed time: 3h48m20s
